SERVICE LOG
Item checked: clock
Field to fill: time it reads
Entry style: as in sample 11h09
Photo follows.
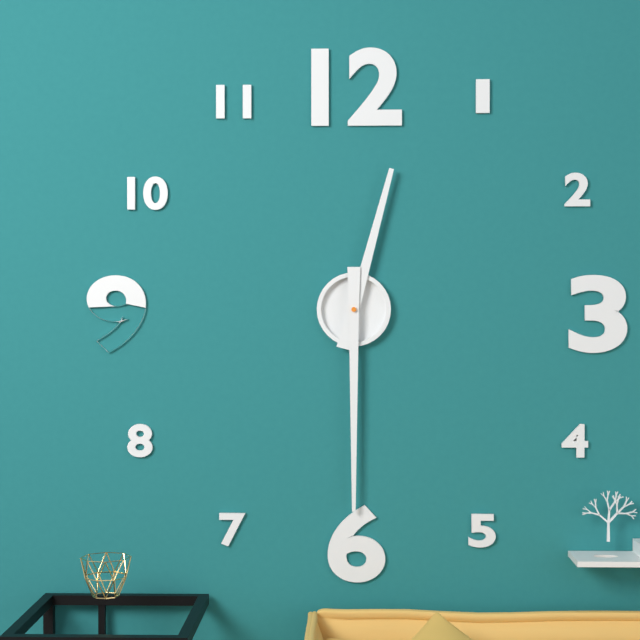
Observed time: 12h30
